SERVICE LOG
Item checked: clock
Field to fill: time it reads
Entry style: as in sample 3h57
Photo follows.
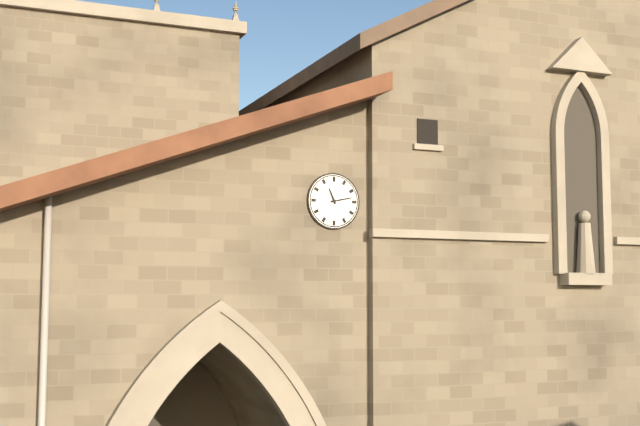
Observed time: 11h13
